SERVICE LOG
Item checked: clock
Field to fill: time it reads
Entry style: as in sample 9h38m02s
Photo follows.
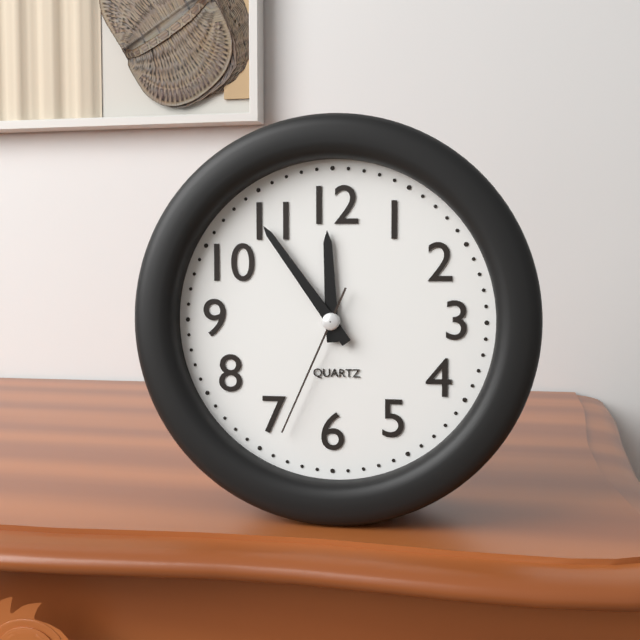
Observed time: 11h54m34s
